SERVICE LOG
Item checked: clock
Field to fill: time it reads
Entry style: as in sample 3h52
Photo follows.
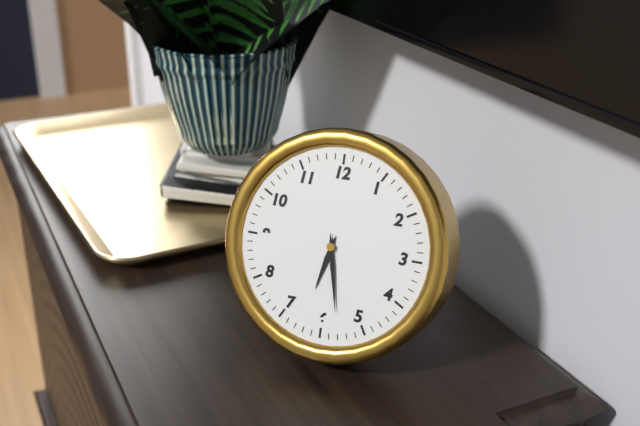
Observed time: 6h28
